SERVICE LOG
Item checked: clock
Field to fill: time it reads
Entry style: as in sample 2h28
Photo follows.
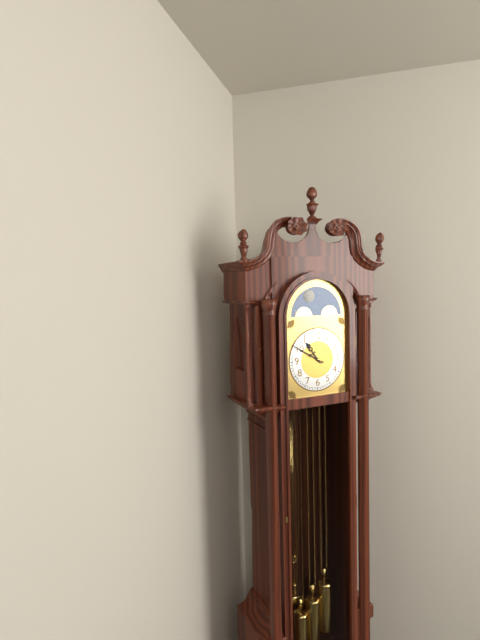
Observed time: 10h50
